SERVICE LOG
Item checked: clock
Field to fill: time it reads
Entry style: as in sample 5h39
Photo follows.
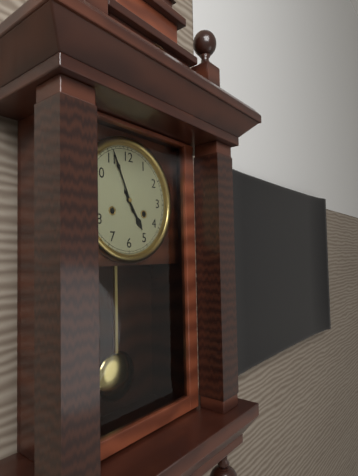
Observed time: 4h56
